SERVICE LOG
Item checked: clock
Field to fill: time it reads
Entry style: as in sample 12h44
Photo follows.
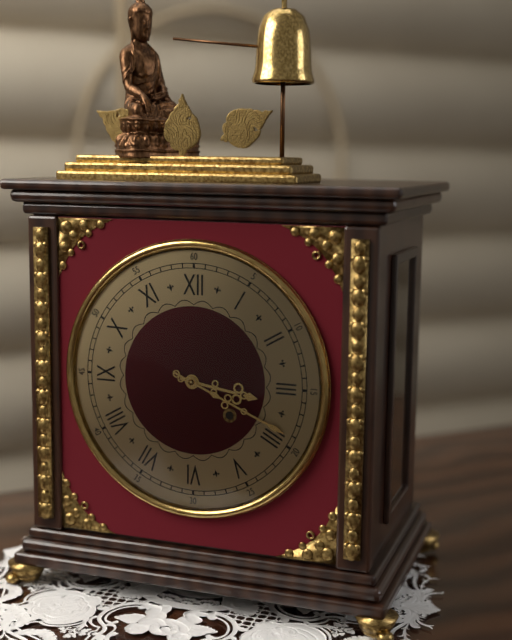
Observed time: 3h19
